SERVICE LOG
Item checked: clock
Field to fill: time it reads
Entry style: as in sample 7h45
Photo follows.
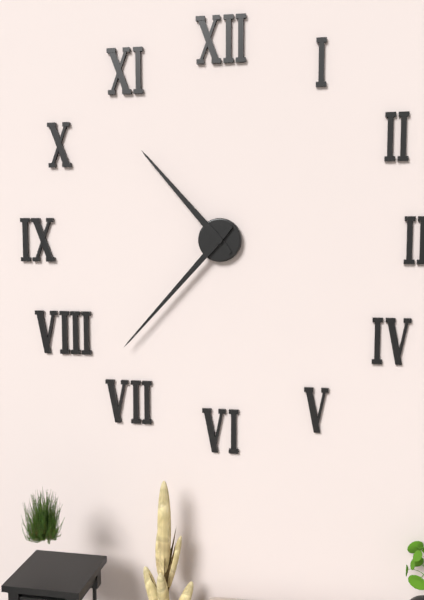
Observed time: 10h37
